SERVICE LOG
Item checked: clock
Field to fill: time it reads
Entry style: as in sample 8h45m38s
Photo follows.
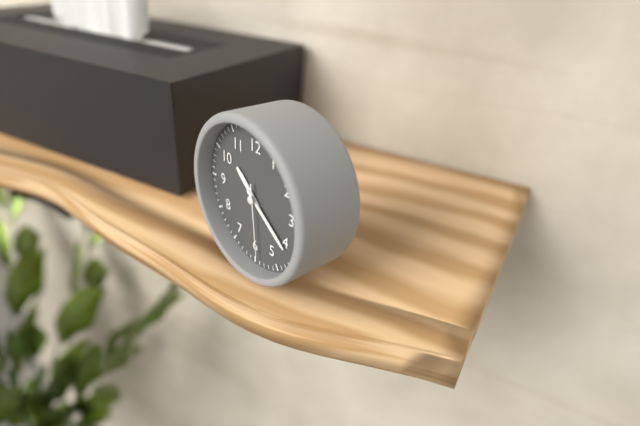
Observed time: 10h21m29s
